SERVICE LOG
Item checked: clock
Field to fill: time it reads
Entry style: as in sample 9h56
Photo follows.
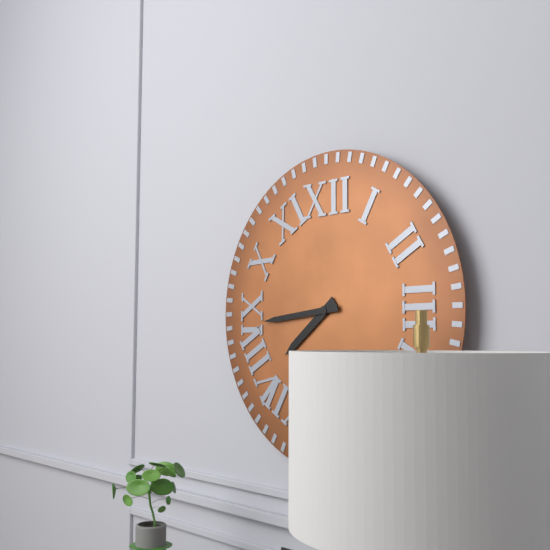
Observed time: 7h44
